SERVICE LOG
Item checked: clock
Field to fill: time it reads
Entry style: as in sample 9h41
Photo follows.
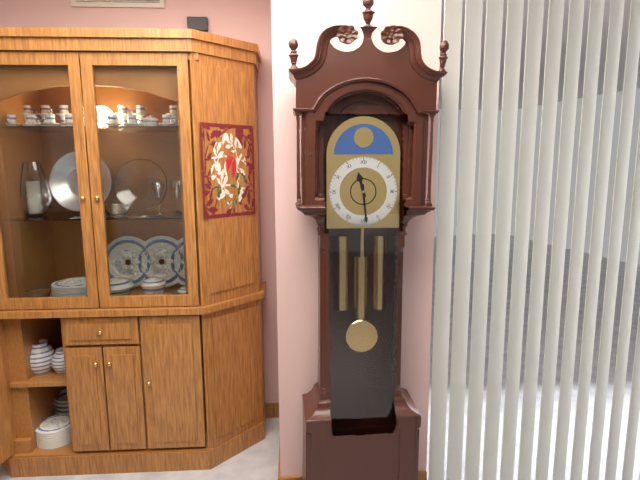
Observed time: 11h29
